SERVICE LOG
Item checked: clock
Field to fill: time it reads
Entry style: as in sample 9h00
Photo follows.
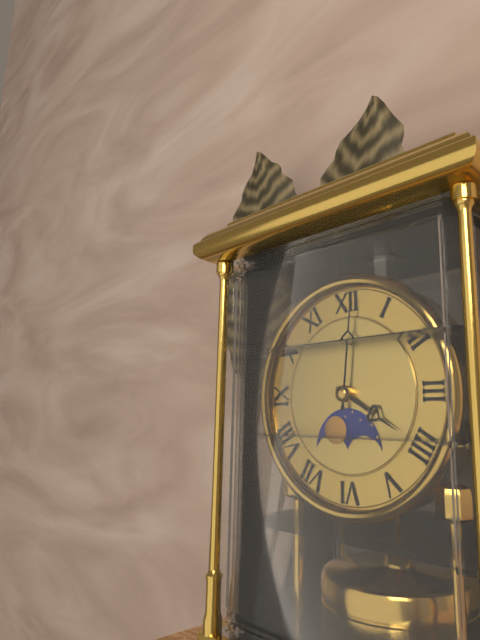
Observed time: 4h01
